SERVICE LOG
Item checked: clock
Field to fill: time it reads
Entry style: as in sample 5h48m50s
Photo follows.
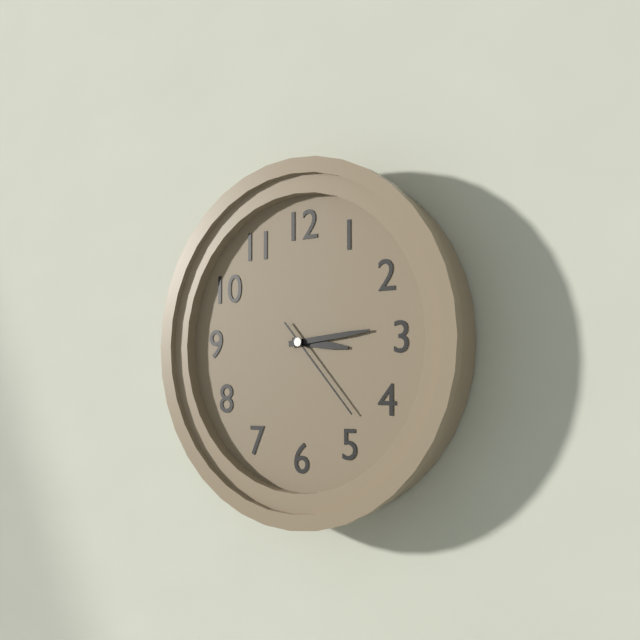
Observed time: 3h14m23s
